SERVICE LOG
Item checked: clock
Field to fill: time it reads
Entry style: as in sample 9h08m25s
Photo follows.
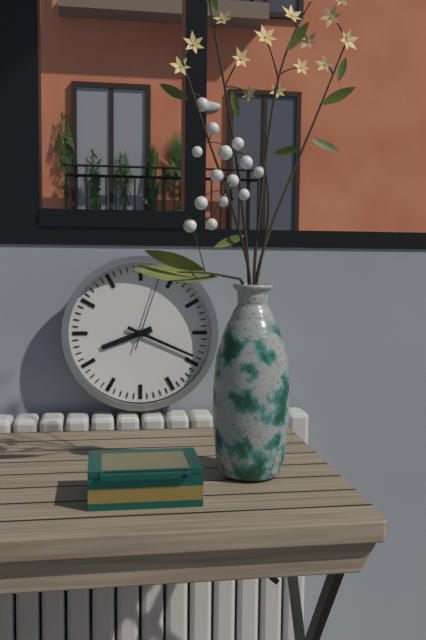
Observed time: 8h19m03s
